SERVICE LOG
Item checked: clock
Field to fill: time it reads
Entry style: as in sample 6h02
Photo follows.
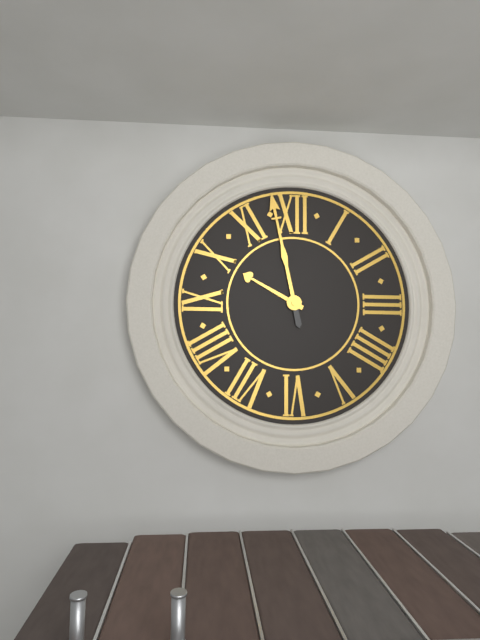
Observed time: 9h58
